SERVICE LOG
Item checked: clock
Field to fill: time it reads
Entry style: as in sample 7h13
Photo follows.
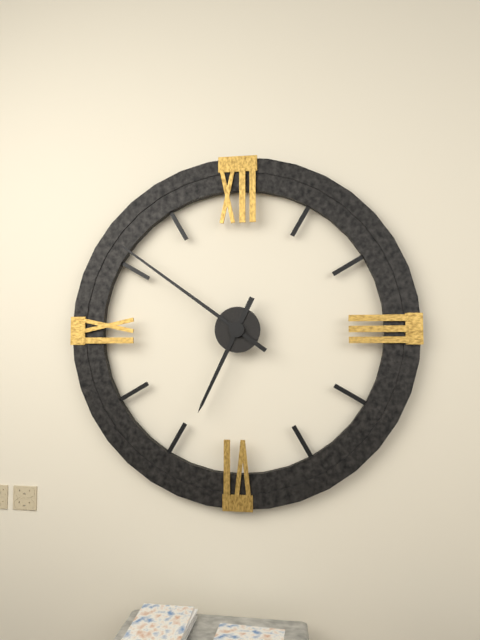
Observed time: 6h51
